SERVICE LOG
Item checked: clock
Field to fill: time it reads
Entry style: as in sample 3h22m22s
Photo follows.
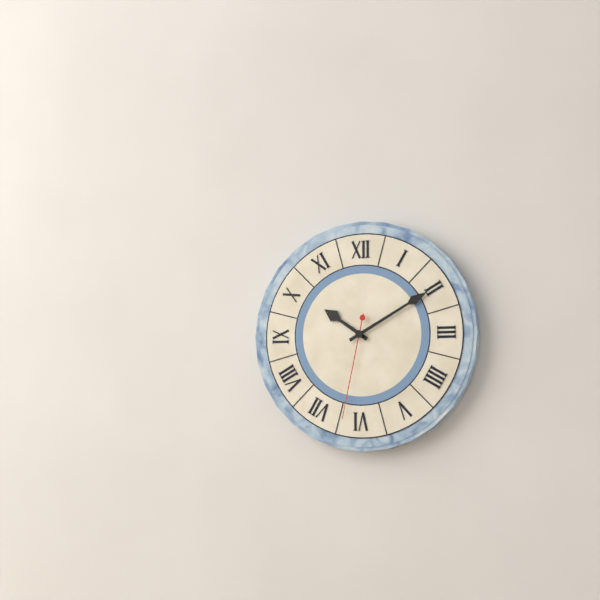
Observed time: 10h10m32s
